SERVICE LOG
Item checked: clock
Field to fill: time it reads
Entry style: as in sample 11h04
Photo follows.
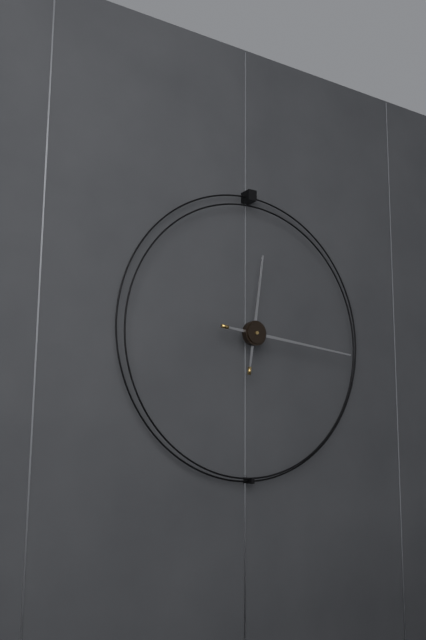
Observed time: 12h16
